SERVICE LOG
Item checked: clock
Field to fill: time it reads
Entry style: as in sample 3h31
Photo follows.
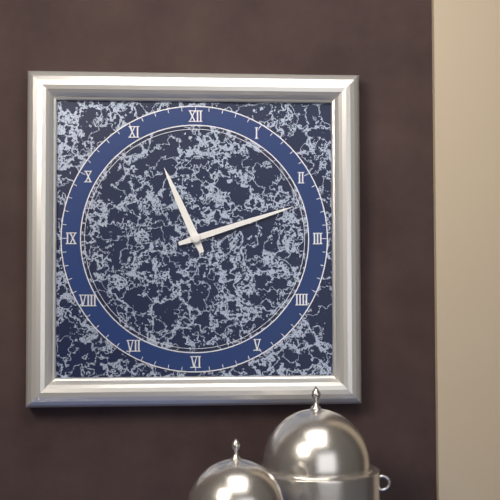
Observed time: 11h12
